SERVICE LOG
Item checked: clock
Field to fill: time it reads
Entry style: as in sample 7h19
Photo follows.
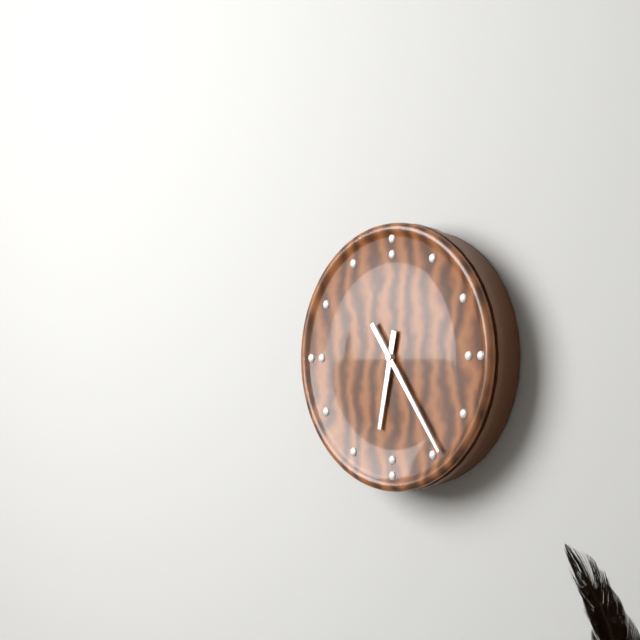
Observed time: 6h24
